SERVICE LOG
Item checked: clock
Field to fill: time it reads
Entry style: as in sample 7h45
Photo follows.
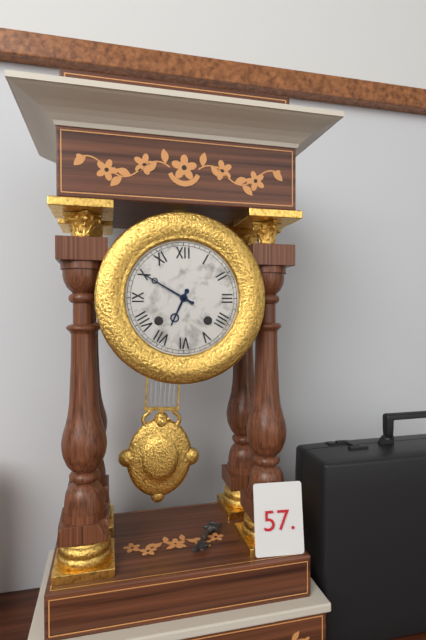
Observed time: 6h50
